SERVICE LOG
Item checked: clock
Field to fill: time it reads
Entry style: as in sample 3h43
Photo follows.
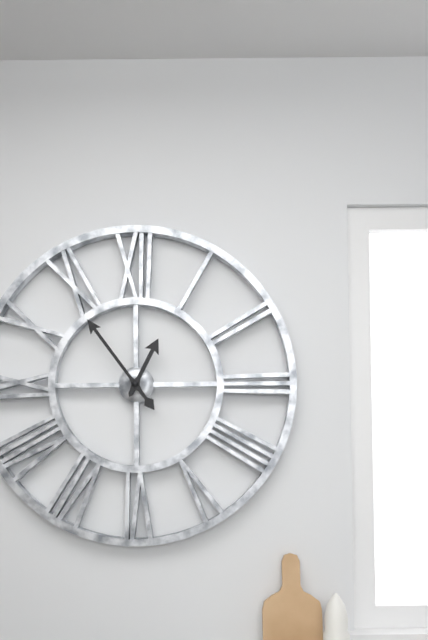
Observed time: 12h54
